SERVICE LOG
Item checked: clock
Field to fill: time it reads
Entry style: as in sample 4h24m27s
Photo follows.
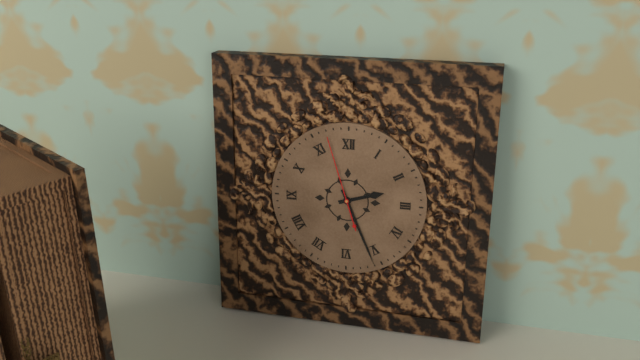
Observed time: 2h26m57s
